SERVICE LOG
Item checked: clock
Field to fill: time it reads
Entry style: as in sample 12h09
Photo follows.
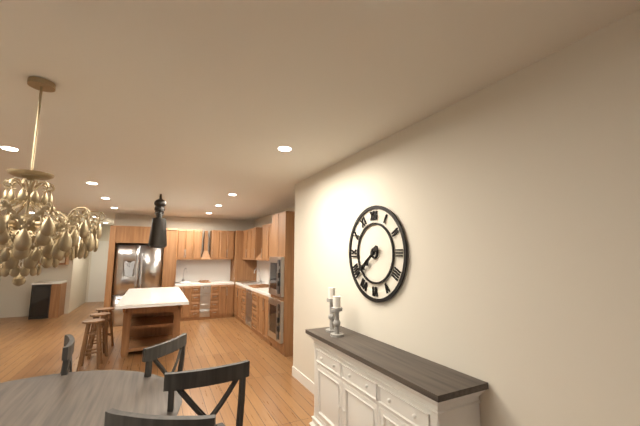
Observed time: 7h39
